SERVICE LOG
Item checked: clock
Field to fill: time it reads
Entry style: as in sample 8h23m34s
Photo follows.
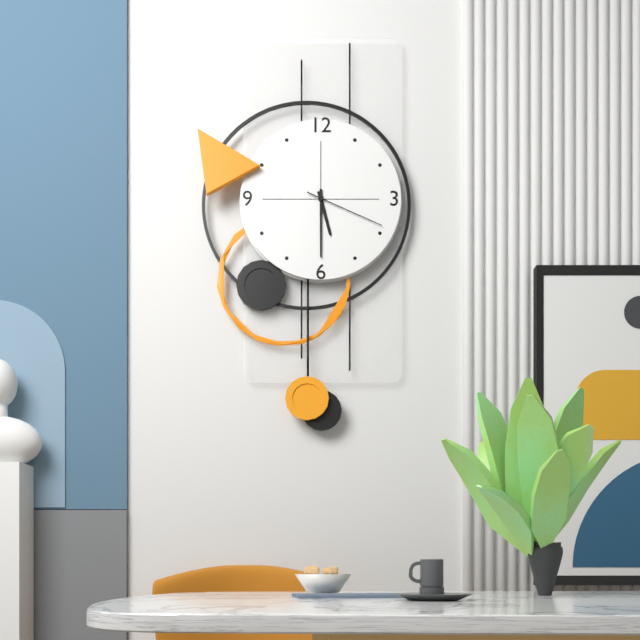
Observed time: 5h30m19s
